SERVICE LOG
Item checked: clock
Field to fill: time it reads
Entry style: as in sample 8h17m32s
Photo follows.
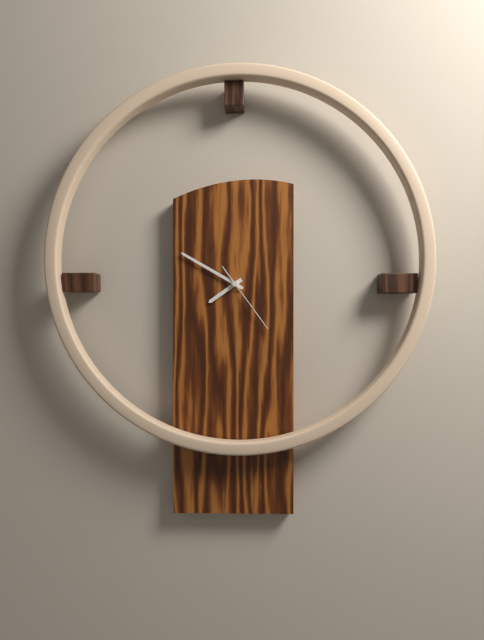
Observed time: 7h50m24s
